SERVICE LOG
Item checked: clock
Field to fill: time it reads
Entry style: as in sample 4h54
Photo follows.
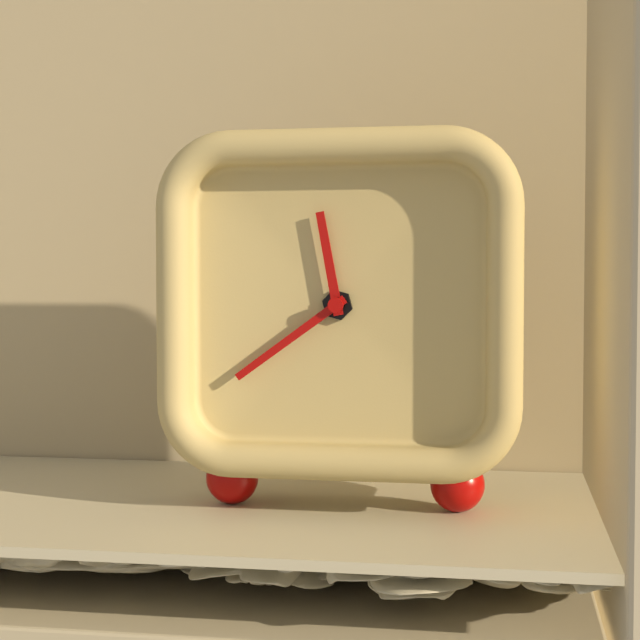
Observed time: 11h39
